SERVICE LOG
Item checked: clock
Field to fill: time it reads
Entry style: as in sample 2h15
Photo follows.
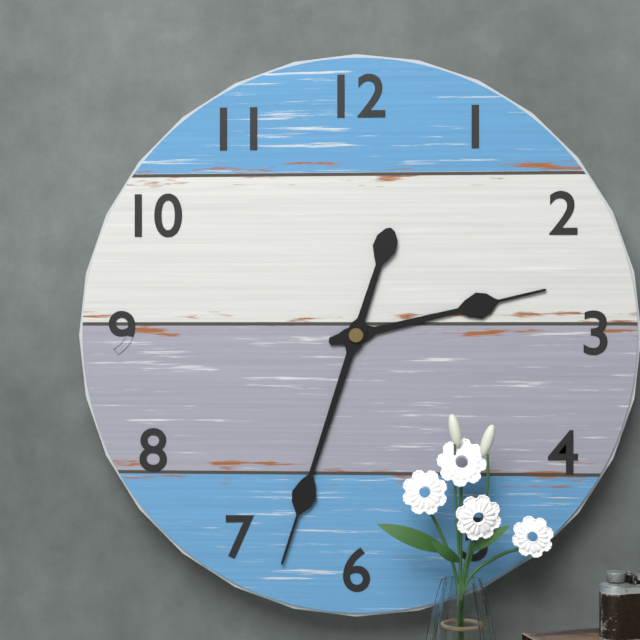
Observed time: 2h33
